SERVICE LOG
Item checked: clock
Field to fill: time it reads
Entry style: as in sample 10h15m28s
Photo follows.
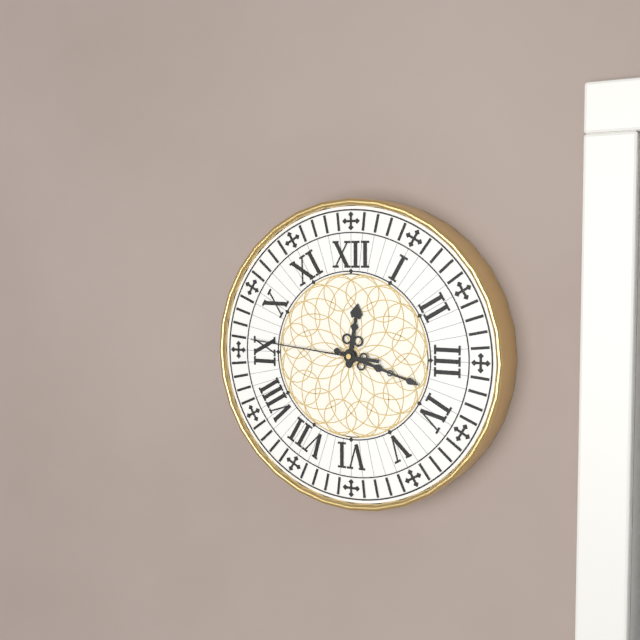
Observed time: 12h18m46s
